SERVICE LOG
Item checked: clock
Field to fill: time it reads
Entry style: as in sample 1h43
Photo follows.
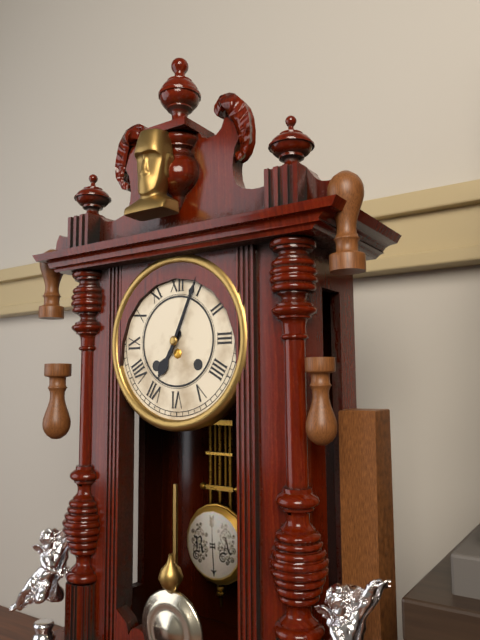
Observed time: 7h04
